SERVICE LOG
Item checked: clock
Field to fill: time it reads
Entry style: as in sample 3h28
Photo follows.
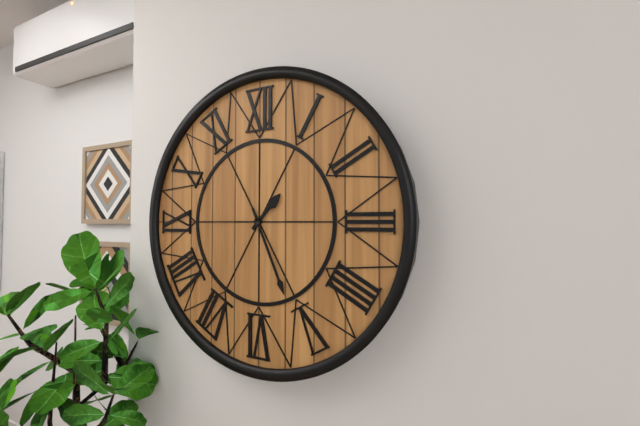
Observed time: 1h26
